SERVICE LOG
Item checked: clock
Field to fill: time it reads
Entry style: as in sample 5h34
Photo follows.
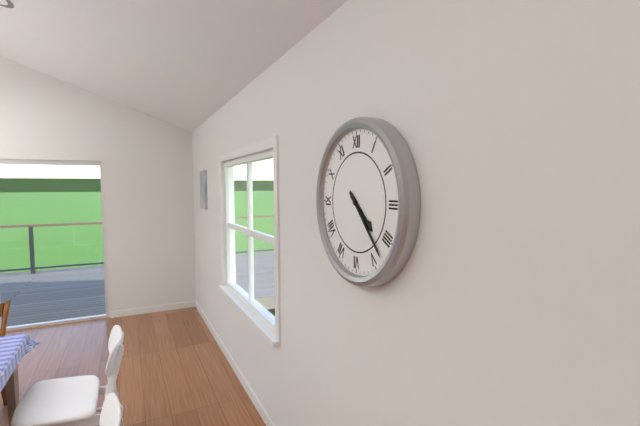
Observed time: 4h23
